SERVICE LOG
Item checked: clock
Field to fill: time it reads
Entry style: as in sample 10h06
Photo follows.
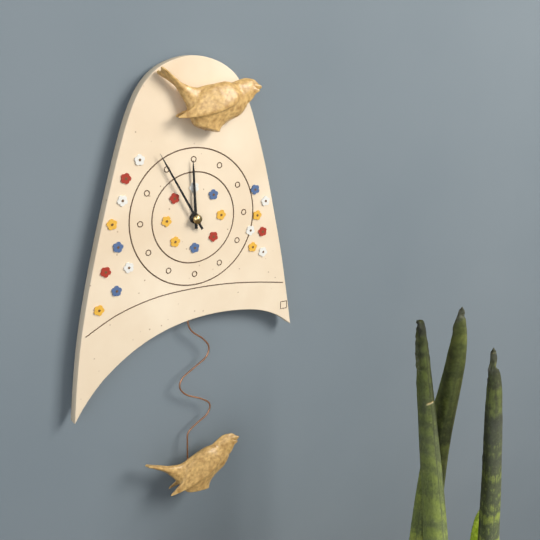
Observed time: 11h55
